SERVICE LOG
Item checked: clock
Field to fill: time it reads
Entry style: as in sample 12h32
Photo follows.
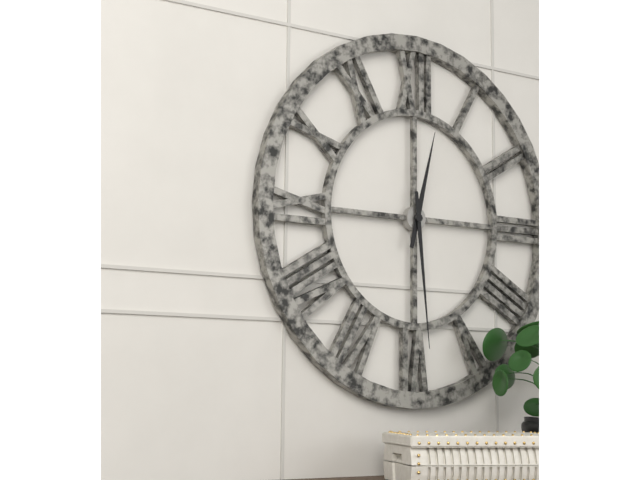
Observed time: 12h29
